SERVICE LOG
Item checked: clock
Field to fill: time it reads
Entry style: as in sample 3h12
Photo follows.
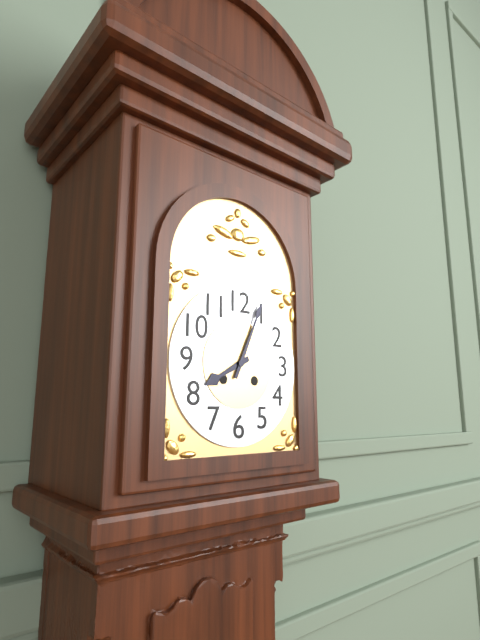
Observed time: 8h04
